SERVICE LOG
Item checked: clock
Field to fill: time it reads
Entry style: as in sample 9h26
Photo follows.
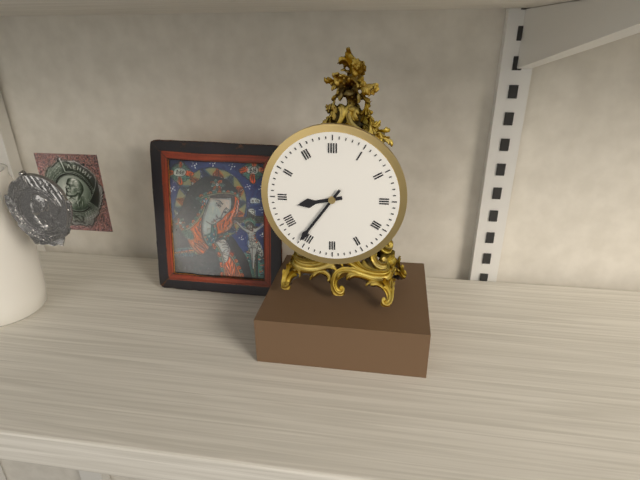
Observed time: 8h36
